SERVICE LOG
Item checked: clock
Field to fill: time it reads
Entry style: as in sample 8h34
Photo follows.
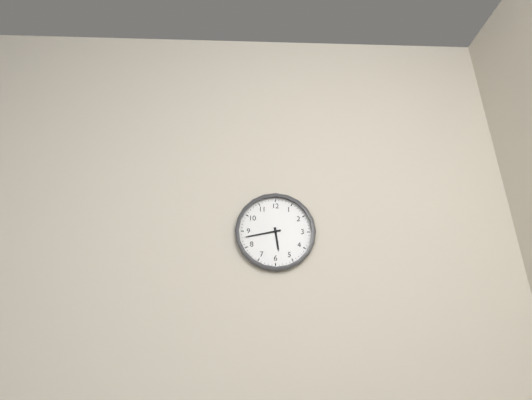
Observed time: 5h43
